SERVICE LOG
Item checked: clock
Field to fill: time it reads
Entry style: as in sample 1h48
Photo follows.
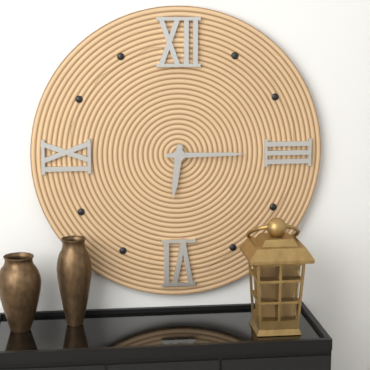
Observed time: 6h15
